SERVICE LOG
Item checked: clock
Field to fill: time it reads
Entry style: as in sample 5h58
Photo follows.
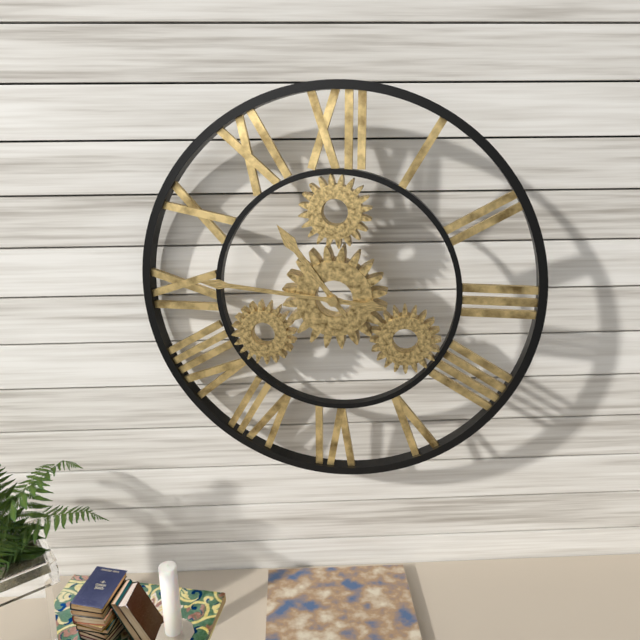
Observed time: 10h46
